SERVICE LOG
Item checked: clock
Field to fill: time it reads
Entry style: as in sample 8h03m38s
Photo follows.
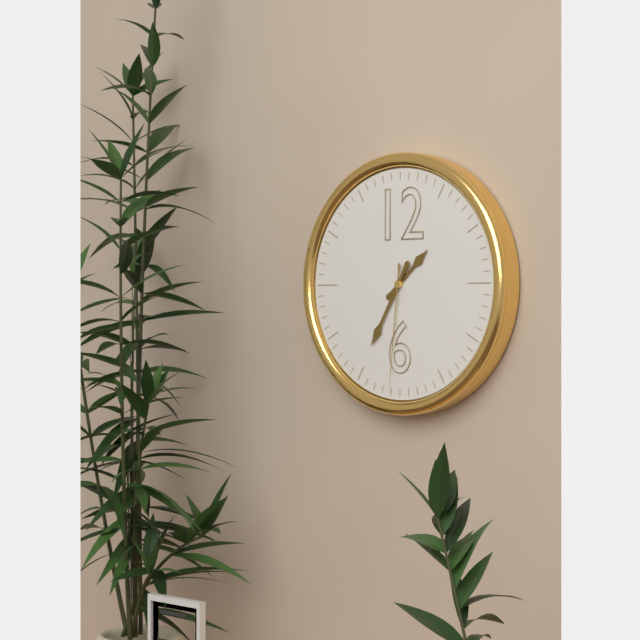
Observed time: 1h35m31s
